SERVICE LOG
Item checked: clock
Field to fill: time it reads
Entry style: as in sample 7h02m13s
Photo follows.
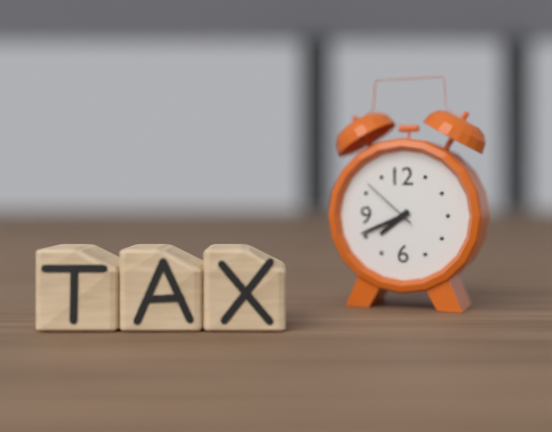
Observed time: 7h41m52s
